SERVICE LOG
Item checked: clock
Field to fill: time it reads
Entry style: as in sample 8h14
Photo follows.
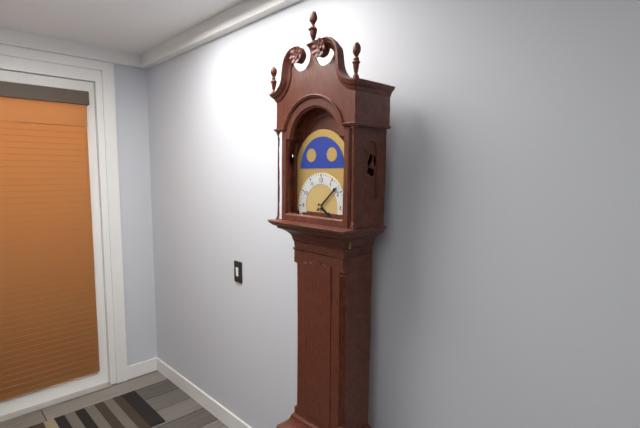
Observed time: 4h08
